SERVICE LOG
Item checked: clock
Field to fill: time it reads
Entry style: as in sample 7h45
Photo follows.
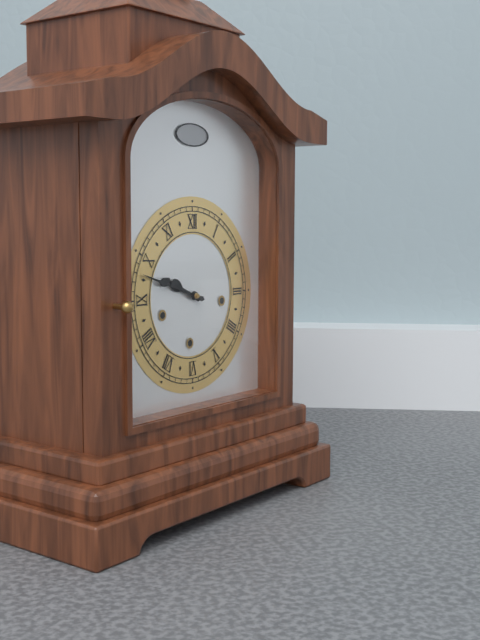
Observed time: 9h48
